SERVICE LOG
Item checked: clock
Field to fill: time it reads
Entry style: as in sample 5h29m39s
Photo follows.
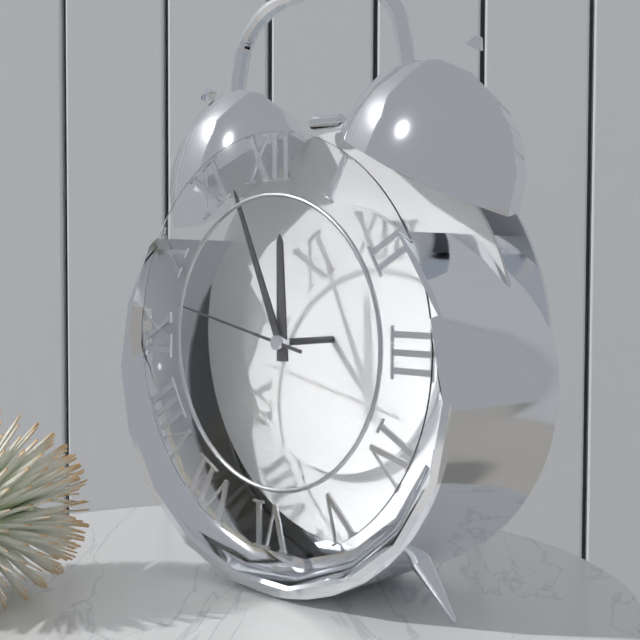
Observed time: 11h56m47s
